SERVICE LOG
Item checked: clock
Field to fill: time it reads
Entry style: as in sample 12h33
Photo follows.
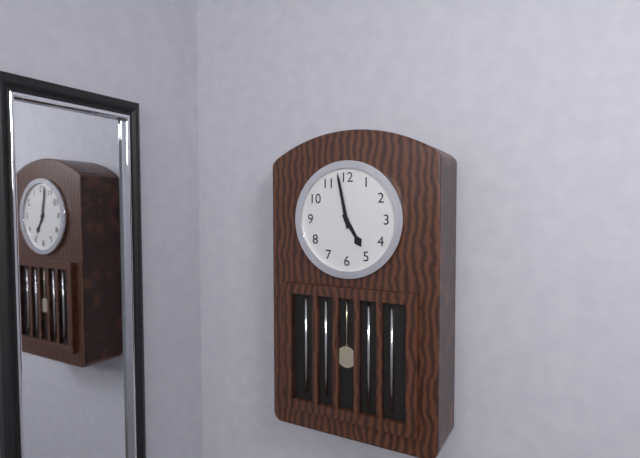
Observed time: 4h58
